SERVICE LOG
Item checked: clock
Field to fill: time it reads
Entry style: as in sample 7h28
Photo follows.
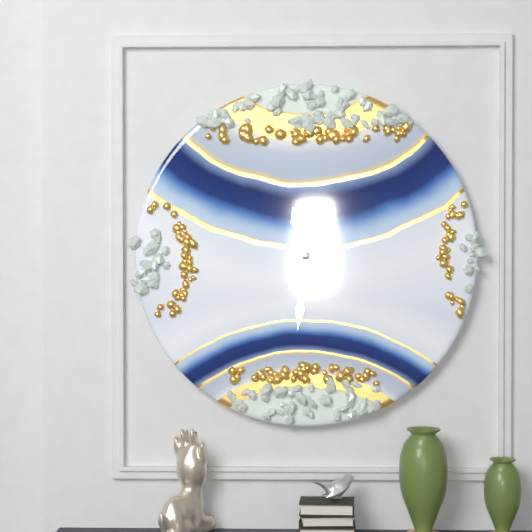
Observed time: 11h31
